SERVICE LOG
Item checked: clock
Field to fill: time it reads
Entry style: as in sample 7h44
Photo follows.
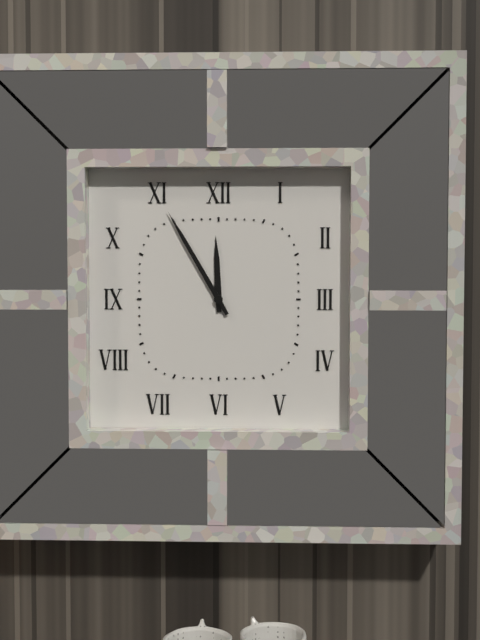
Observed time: 11h55
